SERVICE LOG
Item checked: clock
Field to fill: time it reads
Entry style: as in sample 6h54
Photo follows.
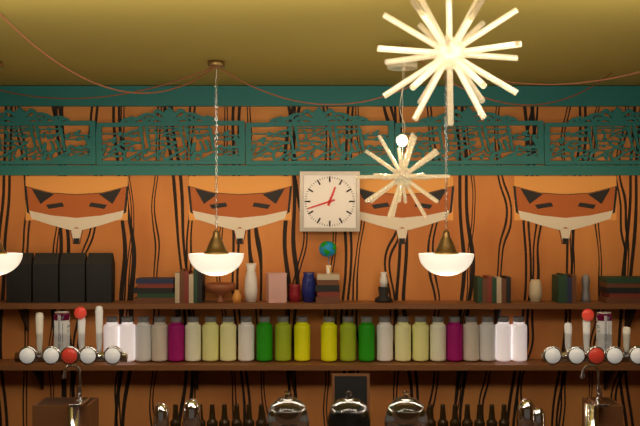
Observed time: 12h42
